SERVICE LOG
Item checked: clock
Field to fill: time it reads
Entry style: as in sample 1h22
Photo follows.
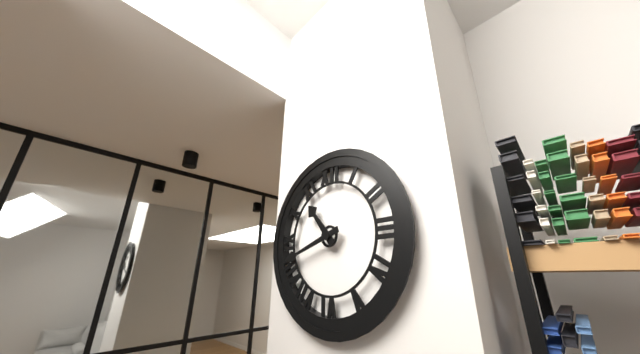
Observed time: 10h42
